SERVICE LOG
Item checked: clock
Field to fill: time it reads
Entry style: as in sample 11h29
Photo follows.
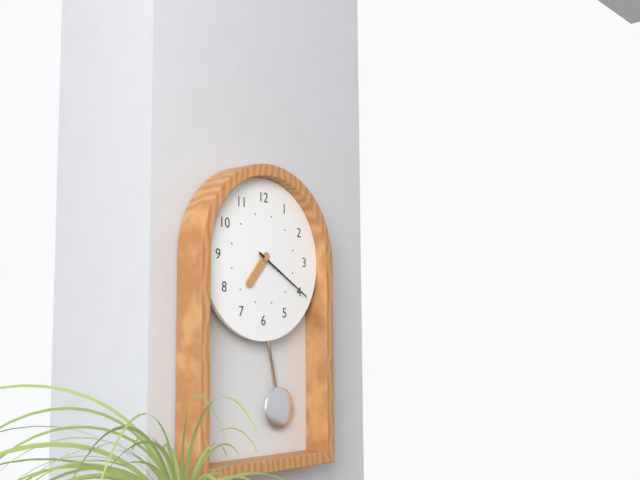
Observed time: 7h20
